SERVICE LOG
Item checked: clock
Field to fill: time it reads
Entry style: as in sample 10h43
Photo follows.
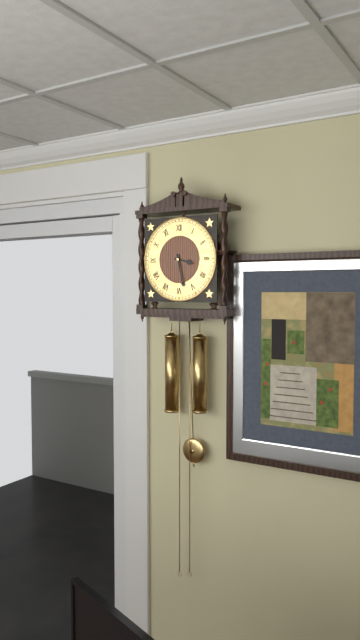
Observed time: 3h28
